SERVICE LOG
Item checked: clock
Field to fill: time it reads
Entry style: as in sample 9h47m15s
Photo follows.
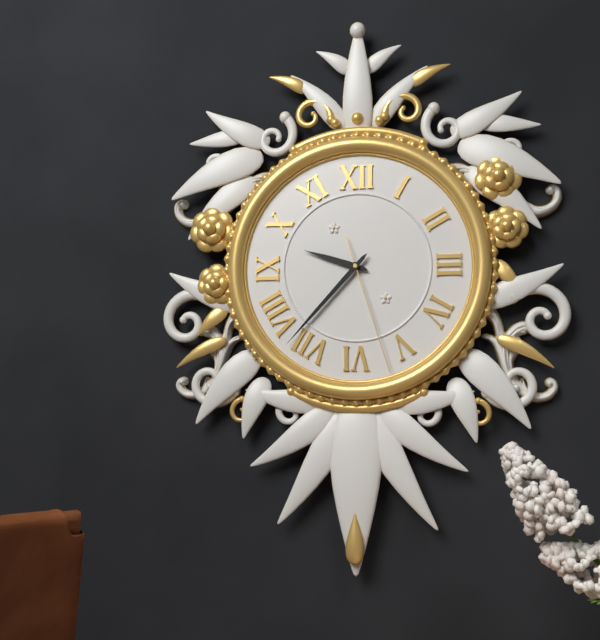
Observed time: 9h37m27s
